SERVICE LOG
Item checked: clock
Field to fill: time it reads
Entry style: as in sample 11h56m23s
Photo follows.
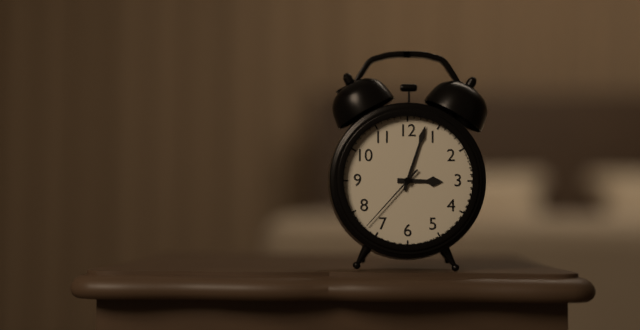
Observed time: 3h03m37s
